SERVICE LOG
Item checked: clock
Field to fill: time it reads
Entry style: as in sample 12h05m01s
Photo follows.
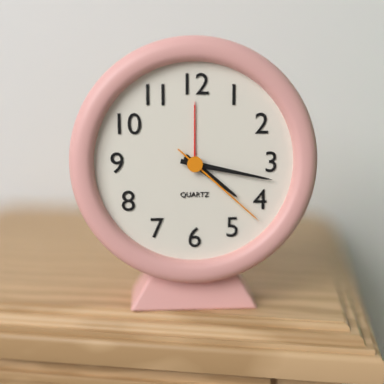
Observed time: 4h17m22s
